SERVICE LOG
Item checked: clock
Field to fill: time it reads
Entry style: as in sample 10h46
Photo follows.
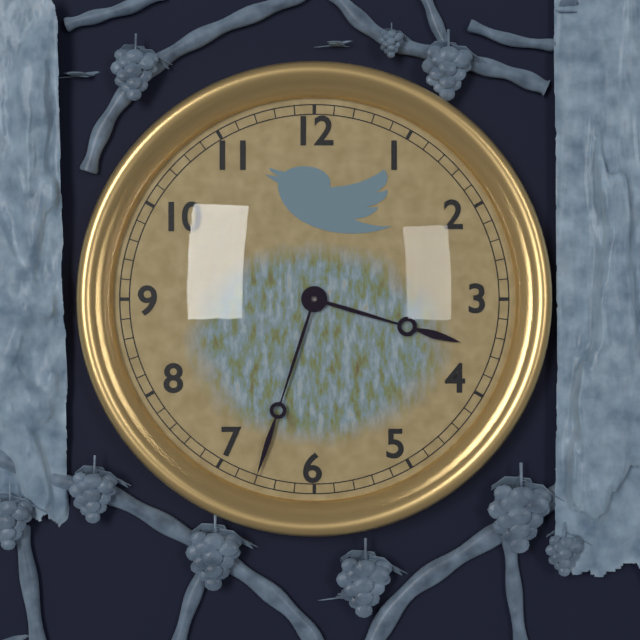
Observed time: 3h33
